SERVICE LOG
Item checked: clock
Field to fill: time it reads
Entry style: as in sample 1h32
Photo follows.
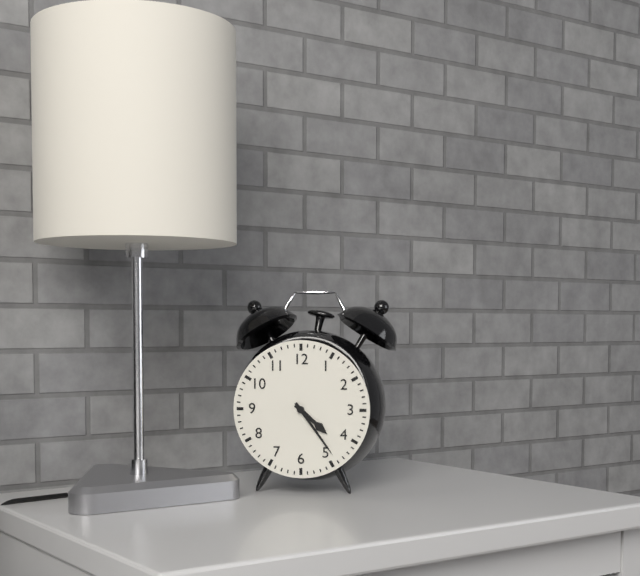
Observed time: 4h24
